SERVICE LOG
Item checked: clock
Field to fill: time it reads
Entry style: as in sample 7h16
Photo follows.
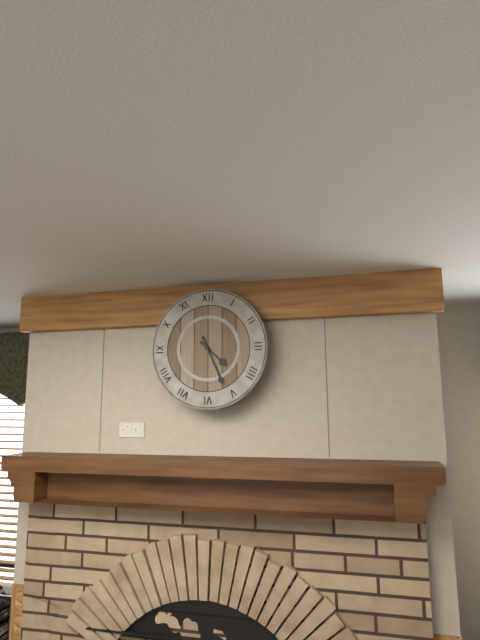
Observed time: 4h26
